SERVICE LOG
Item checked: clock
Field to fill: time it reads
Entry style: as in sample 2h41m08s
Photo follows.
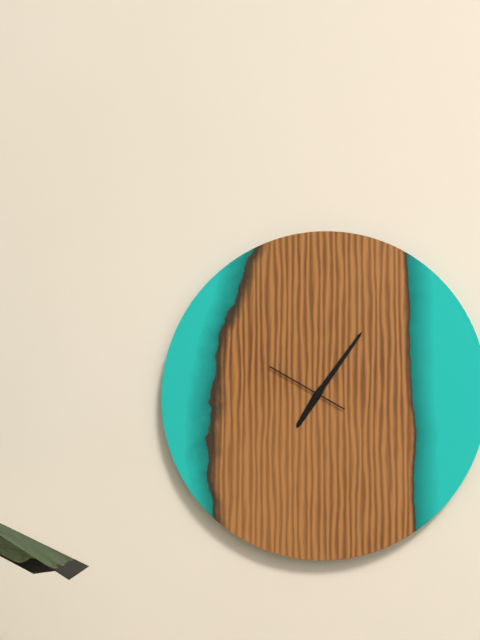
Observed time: 7h06m50s
